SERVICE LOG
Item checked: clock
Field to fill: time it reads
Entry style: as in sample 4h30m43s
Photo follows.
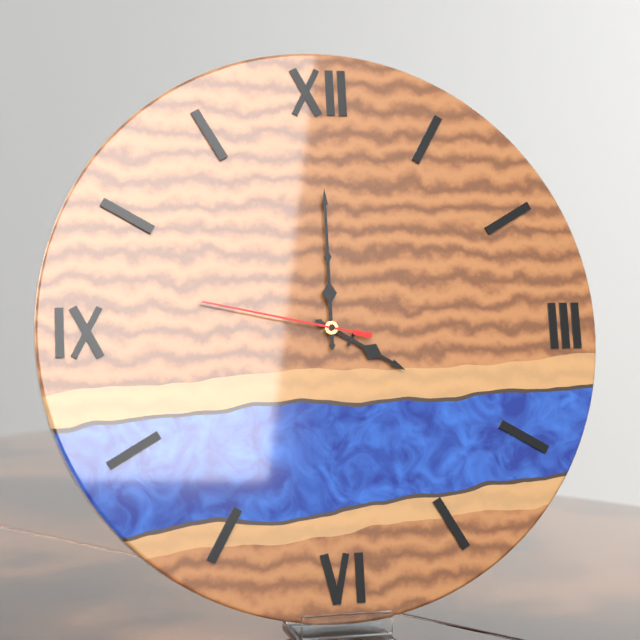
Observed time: 4h00m47s
